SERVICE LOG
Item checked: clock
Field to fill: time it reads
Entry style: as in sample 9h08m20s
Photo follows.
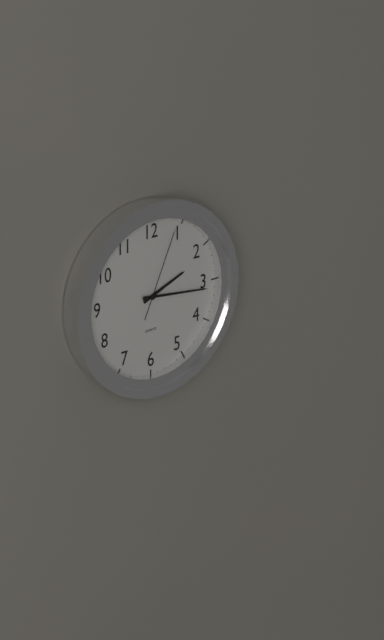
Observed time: 2h16m04s
